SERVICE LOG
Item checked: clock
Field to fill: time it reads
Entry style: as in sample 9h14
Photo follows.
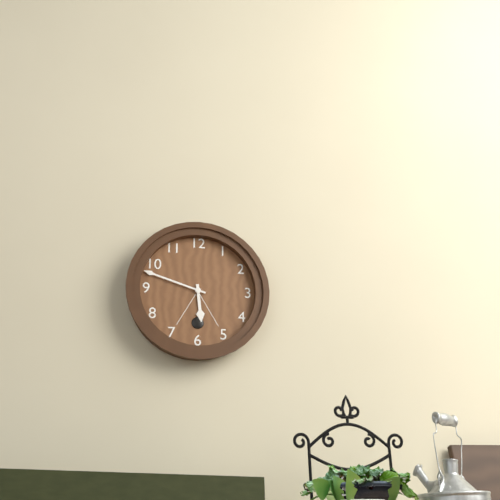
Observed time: 5h48
